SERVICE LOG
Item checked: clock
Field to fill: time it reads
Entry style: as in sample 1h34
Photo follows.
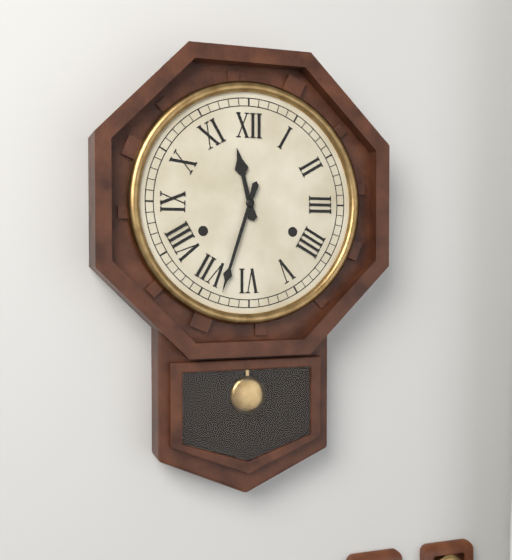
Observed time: 11h33
